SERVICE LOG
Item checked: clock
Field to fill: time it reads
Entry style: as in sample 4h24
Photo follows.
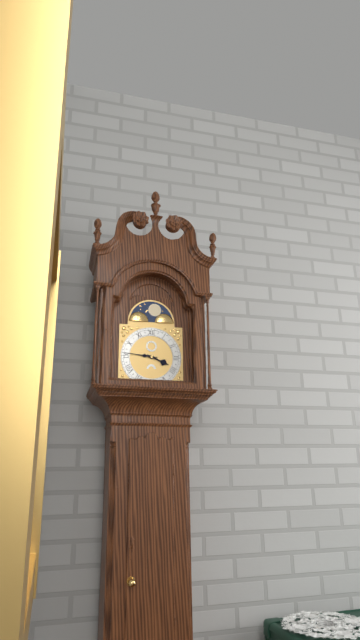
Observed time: 3h46
